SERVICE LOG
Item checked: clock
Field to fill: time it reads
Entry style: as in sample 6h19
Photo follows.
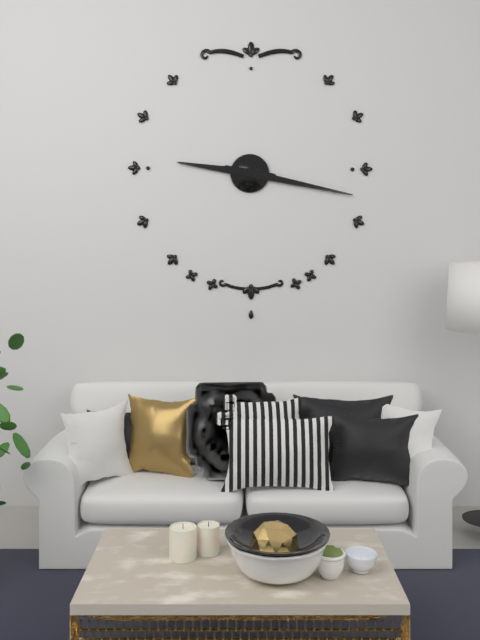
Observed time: 9h17
